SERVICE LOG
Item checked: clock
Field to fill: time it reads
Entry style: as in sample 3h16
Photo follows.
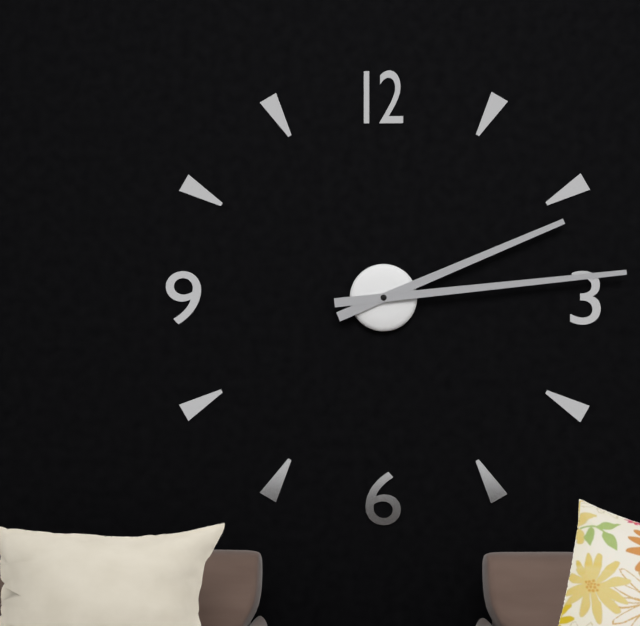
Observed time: 2h14
